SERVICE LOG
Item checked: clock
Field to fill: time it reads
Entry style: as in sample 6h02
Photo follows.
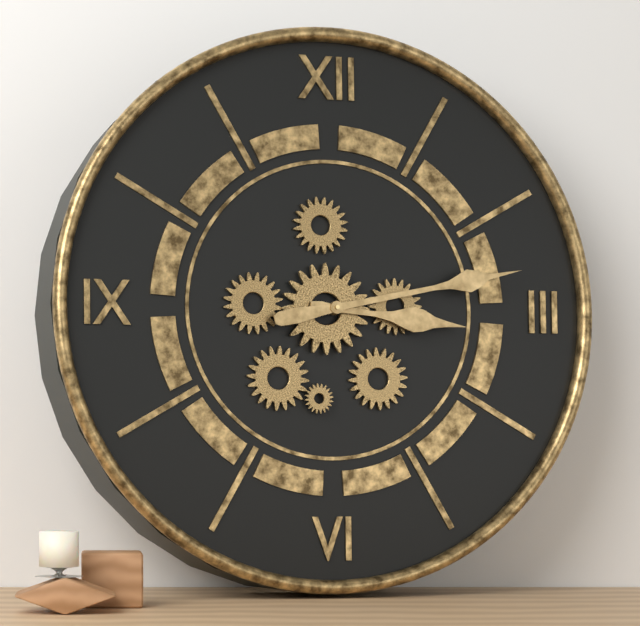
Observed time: 3h13
